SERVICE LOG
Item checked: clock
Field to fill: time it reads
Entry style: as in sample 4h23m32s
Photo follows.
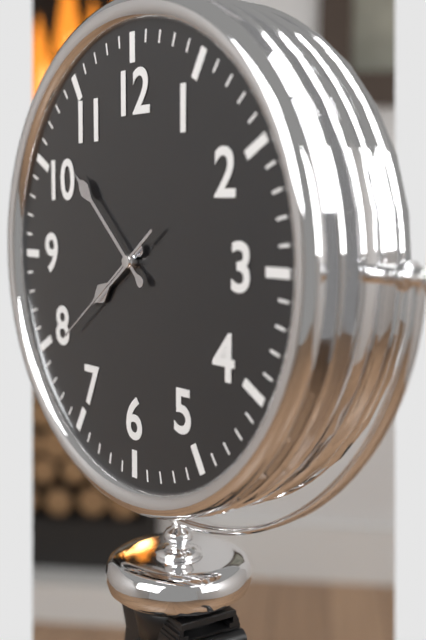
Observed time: 7h52m39s
